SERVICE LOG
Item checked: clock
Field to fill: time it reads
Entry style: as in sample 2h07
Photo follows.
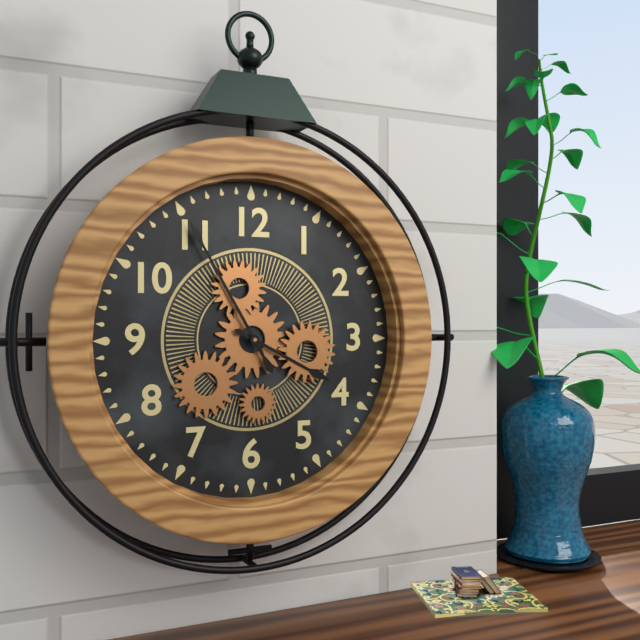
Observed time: 3h55
